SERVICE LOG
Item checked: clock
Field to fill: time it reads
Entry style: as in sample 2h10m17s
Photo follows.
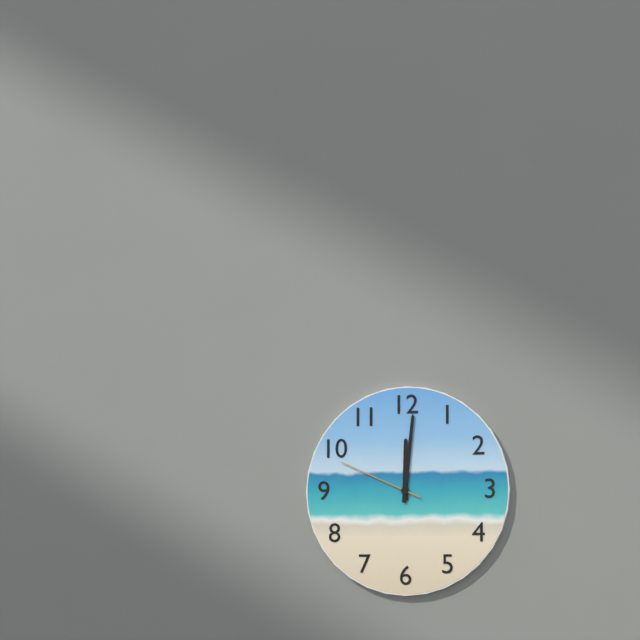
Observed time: 12h01m49s
